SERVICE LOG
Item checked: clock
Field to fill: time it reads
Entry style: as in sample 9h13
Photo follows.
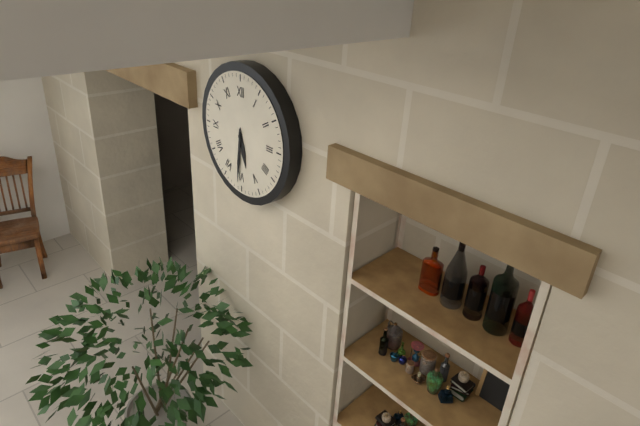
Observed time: 5h31
